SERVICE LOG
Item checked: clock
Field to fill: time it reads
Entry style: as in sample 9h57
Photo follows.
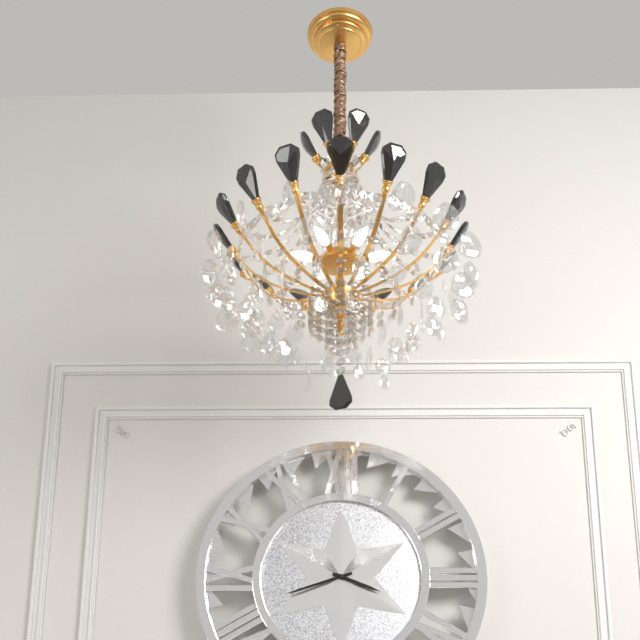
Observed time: 3h42
